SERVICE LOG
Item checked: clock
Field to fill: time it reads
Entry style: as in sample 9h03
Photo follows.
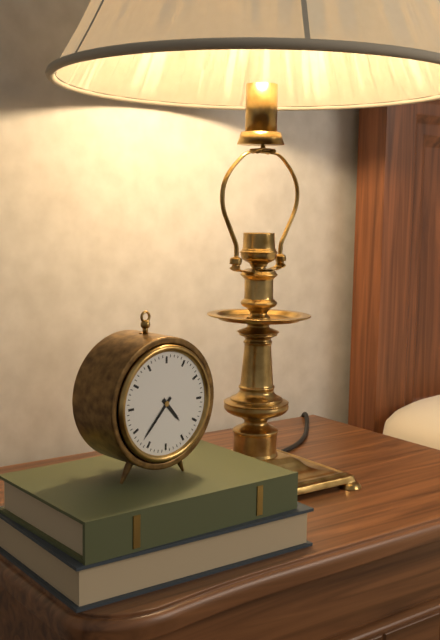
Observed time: 4h37
